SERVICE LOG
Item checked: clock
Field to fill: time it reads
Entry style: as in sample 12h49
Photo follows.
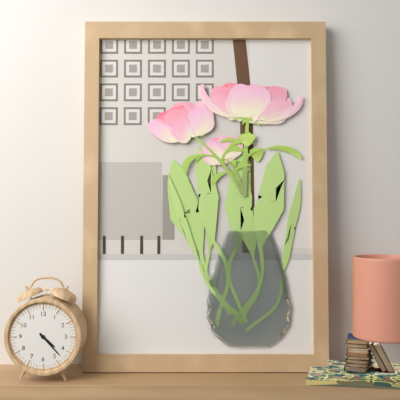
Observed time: 4h23
